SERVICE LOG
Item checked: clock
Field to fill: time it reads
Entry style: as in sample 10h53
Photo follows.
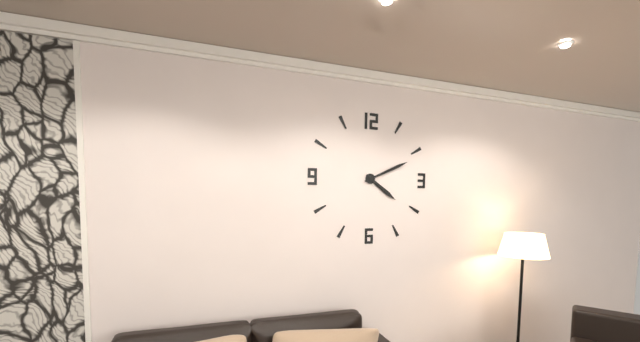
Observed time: 4h11
